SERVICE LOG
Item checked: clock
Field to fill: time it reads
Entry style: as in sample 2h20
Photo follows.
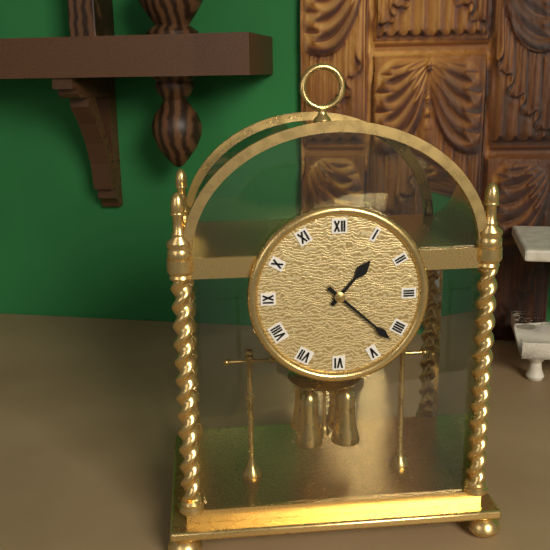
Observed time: 1h22
